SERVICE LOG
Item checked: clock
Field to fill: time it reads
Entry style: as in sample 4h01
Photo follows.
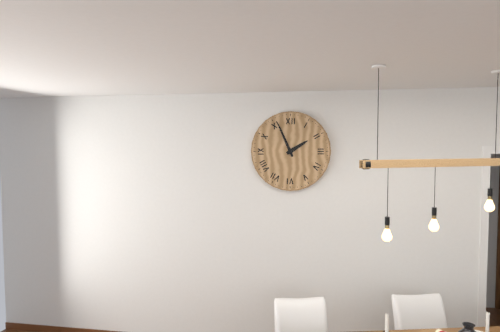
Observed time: 1h56
